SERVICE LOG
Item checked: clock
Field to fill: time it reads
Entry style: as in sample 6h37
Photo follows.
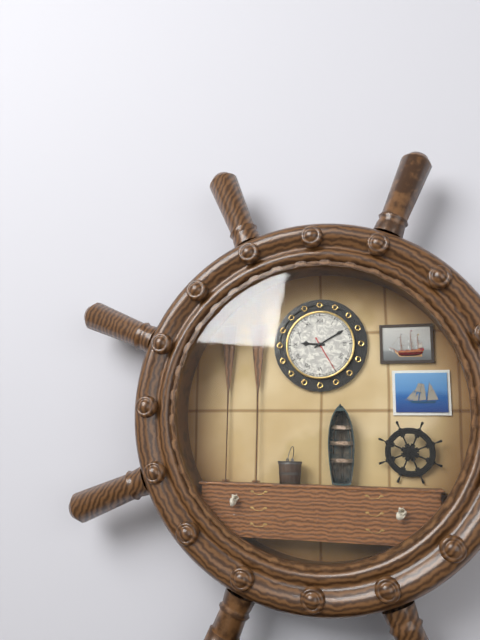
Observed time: 9h10
